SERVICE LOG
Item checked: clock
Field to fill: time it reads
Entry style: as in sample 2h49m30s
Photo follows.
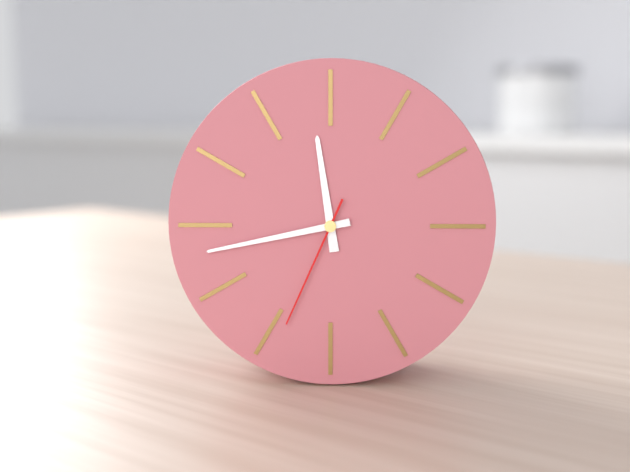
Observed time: 11h43m34s
